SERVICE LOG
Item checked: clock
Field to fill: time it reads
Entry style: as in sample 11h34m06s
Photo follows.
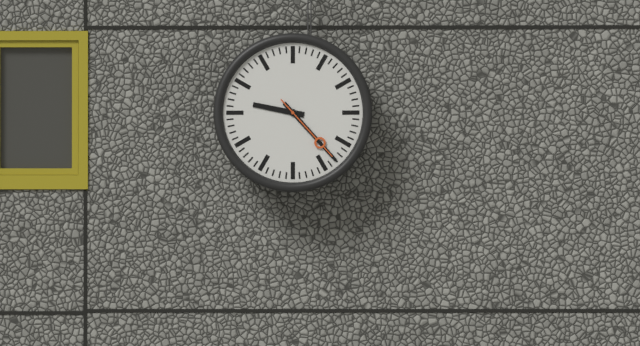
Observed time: 9h23m23s
